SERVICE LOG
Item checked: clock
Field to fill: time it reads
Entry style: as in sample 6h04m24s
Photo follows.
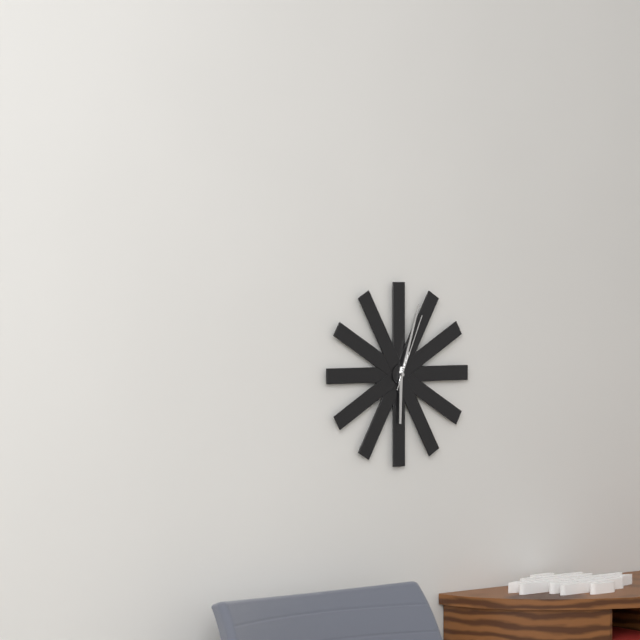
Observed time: 6h03m04s
